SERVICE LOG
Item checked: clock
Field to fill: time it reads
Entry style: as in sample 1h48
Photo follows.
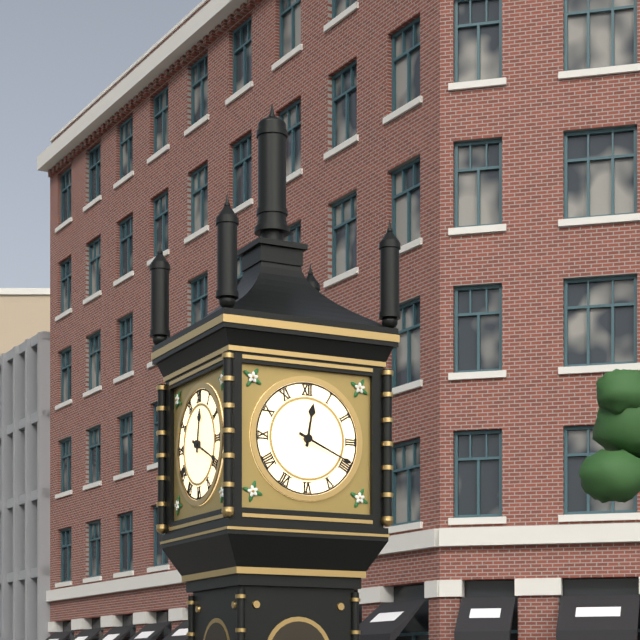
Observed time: 12h19
